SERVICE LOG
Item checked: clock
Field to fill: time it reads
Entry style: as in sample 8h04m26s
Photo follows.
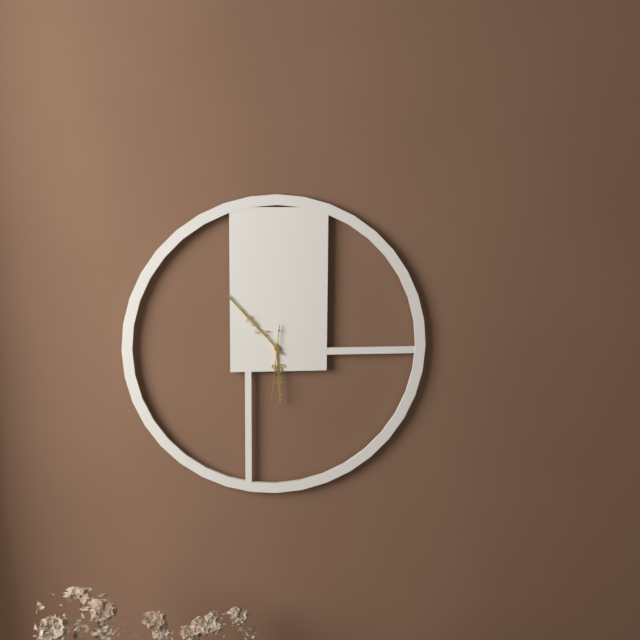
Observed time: 5h53m31s
